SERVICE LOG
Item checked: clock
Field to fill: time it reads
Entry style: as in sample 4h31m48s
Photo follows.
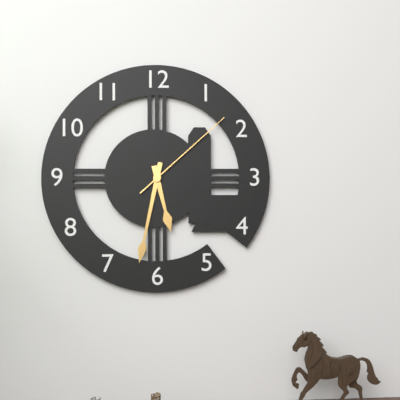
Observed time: 5h32m08s
